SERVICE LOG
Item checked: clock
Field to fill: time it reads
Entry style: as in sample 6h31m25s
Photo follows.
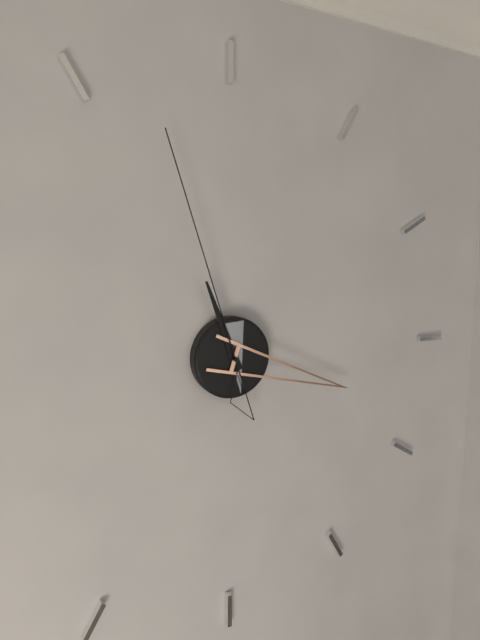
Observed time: 11h18m57s
